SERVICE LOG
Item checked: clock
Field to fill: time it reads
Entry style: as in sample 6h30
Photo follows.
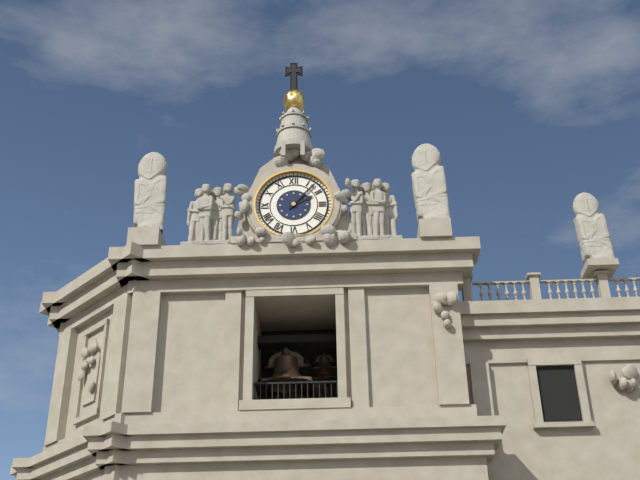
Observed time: 2h07
